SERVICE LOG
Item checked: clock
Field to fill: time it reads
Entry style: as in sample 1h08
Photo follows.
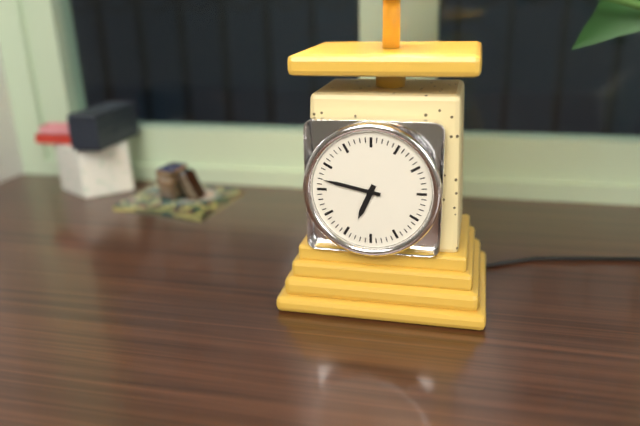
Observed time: 6h47
